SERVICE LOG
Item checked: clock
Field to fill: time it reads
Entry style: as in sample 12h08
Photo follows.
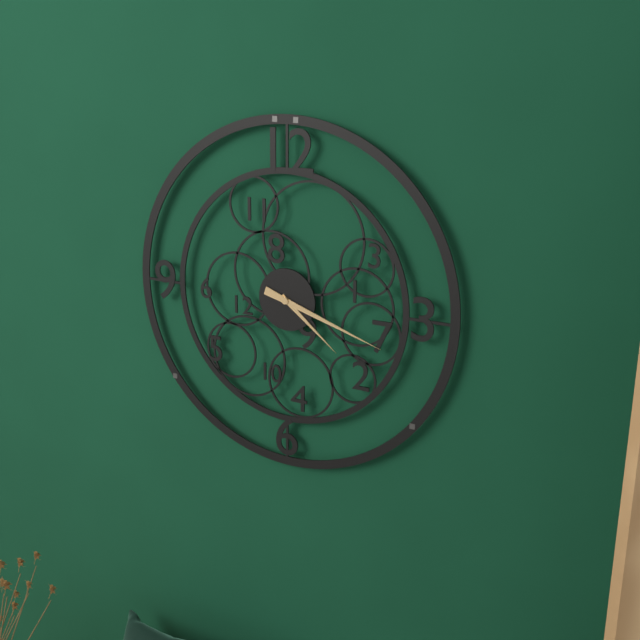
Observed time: 4h18
